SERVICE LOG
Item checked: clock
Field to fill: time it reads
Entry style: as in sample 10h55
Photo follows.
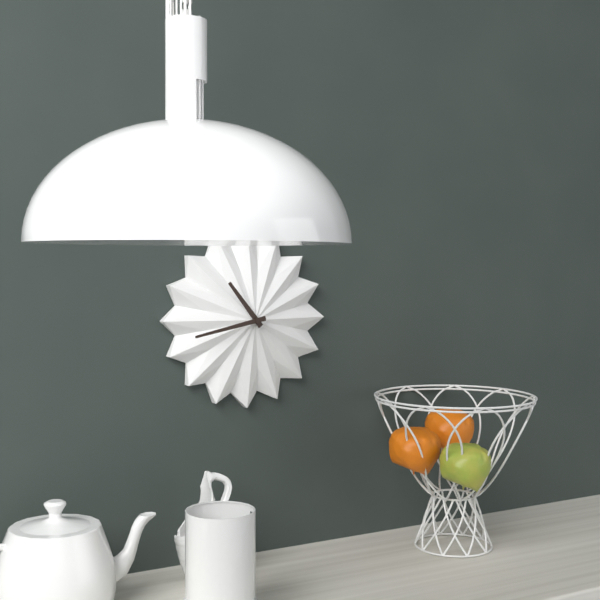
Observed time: 10h43
